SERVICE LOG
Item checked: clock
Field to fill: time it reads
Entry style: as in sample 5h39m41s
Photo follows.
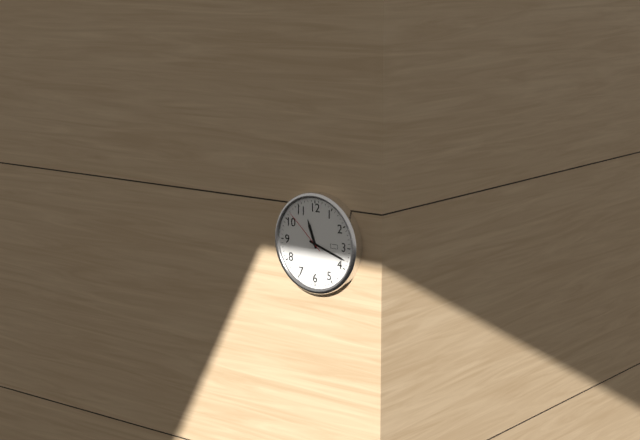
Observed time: 11h18m52s
